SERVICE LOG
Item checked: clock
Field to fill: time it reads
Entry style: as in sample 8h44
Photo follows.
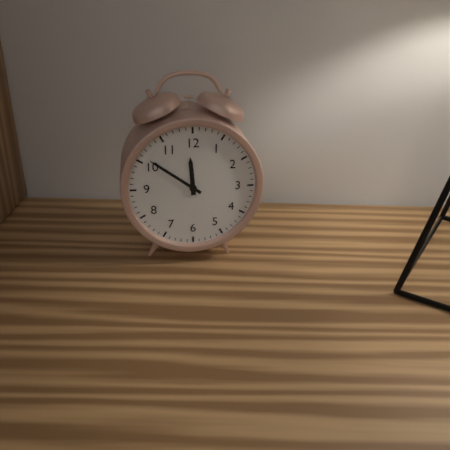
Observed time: 11h51
